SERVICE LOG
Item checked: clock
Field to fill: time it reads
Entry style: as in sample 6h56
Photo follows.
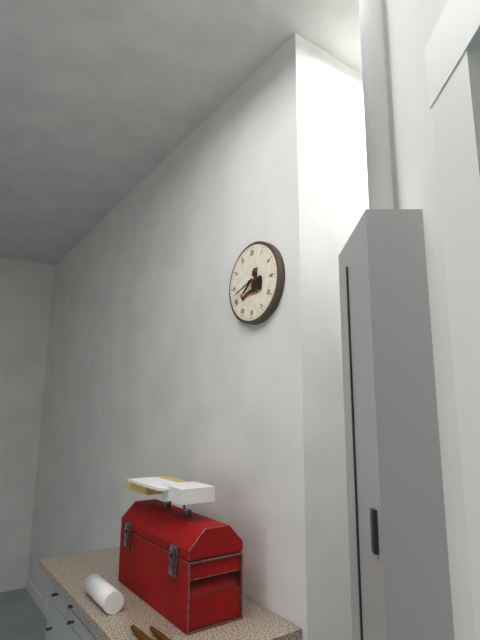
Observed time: 7h42
